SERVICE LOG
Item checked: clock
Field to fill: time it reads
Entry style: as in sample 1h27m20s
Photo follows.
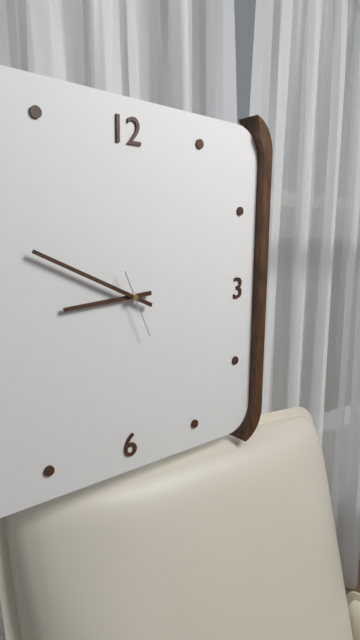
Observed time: 8h49m26s
